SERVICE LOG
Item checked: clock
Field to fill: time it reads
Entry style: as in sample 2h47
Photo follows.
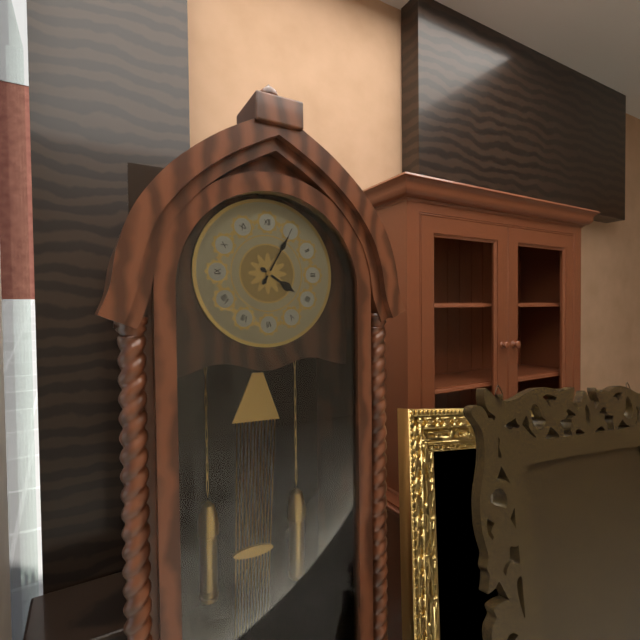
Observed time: 4h05
